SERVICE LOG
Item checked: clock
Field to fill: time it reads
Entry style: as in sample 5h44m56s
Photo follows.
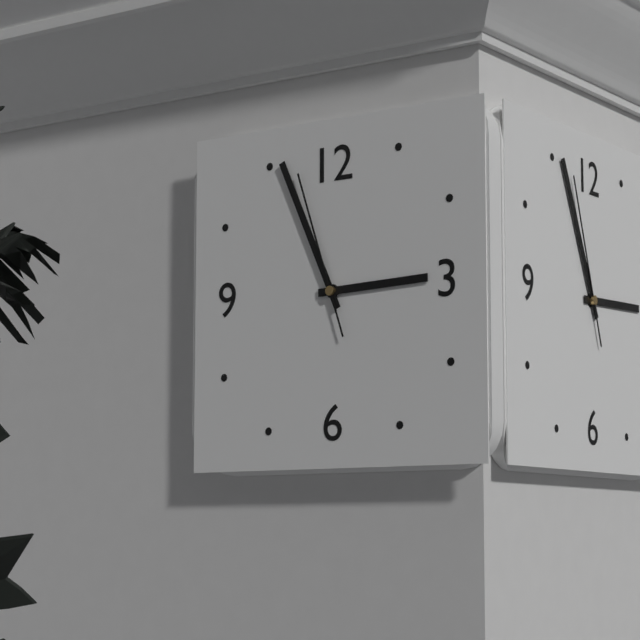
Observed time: 2h56m57s
